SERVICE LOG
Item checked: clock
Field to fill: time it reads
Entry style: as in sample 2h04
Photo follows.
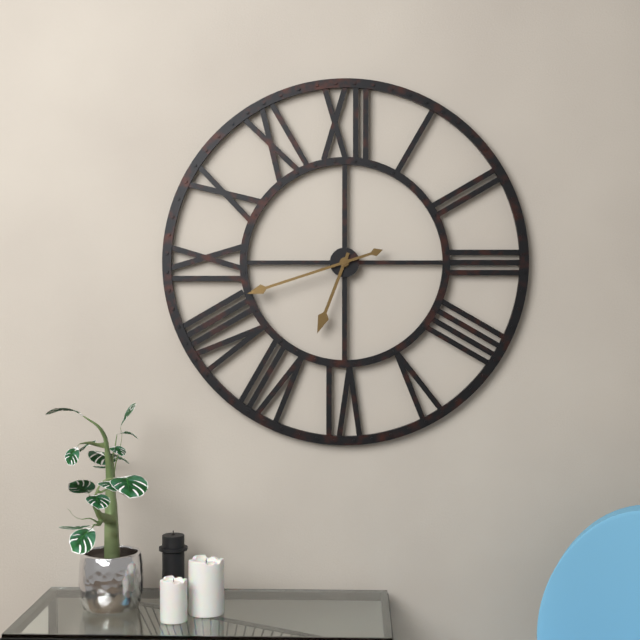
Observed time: 6h42
